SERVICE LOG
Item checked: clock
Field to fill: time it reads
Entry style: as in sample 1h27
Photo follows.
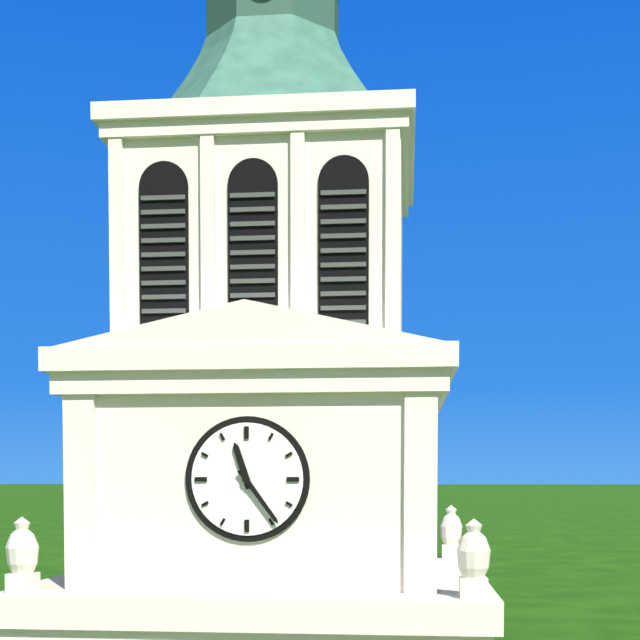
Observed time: 11h24
